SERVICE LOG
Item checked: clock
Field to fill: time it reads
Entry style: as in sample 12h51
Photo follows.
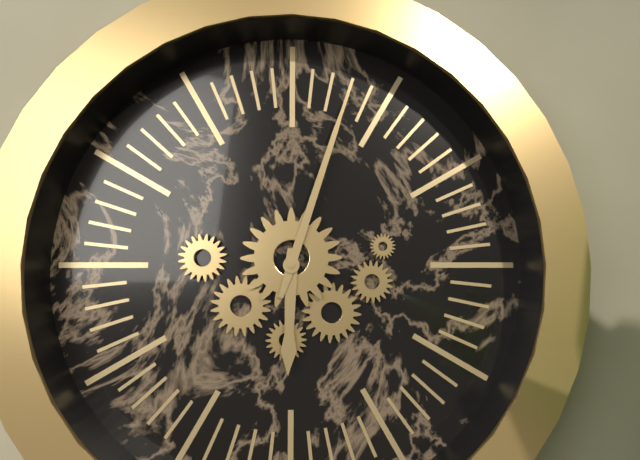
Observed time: 6h03
